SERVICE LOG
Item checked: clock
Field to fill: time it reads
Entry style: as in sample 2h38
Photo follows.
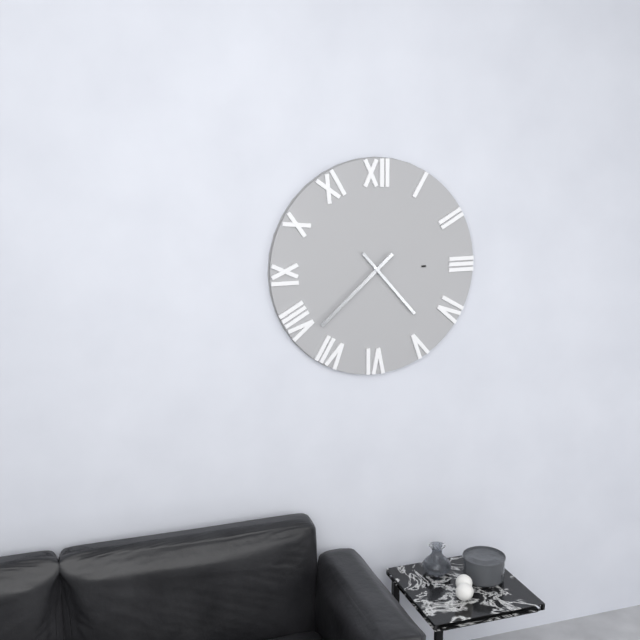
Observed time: 4h38
